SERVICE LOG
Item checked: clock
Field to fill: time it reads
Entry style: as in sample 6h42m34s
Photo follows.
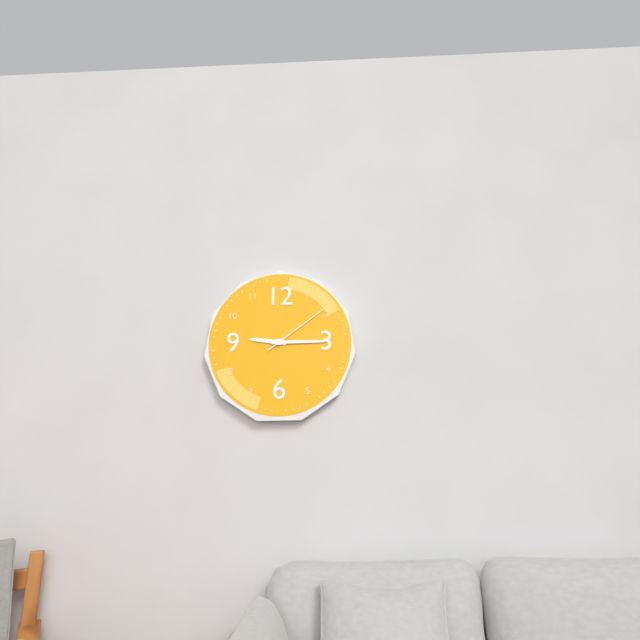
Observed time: 9h15m09s
